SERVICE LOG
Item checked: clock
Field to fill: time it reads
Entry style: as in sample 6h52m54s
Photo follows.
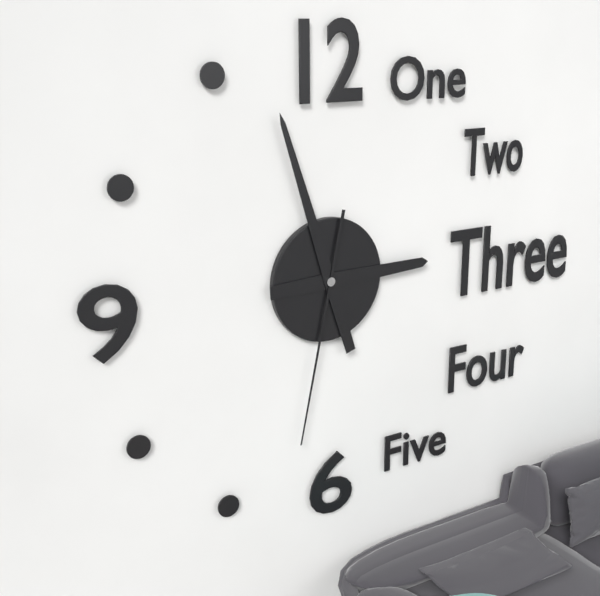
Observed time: 2h57m32s
